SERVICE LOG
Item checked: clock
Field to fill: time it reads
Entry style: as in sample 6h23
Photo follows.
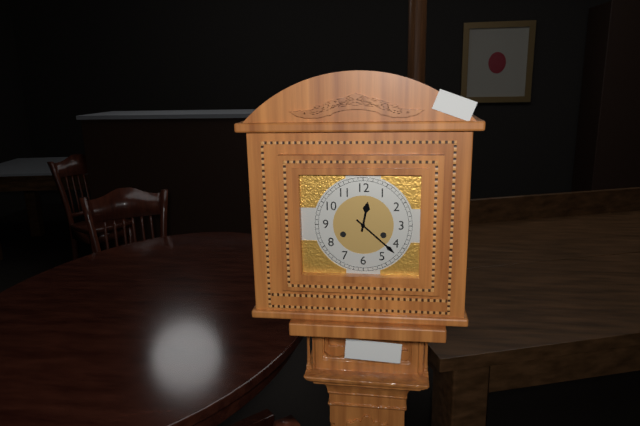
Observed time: 12h22
